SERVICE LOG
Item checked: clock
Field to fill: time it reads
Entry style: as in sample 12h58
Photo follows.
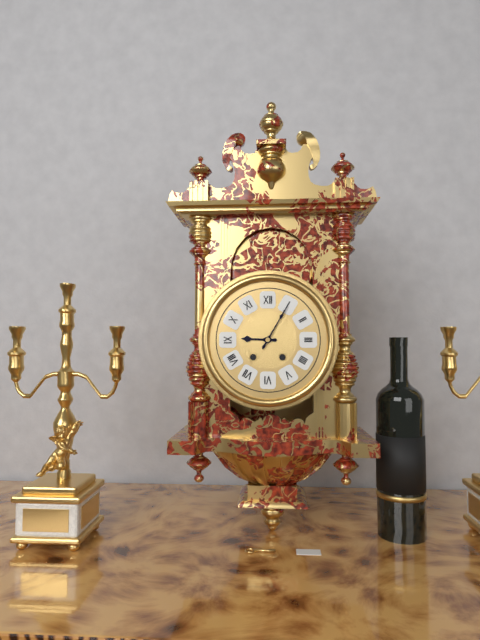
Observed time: 9h05
